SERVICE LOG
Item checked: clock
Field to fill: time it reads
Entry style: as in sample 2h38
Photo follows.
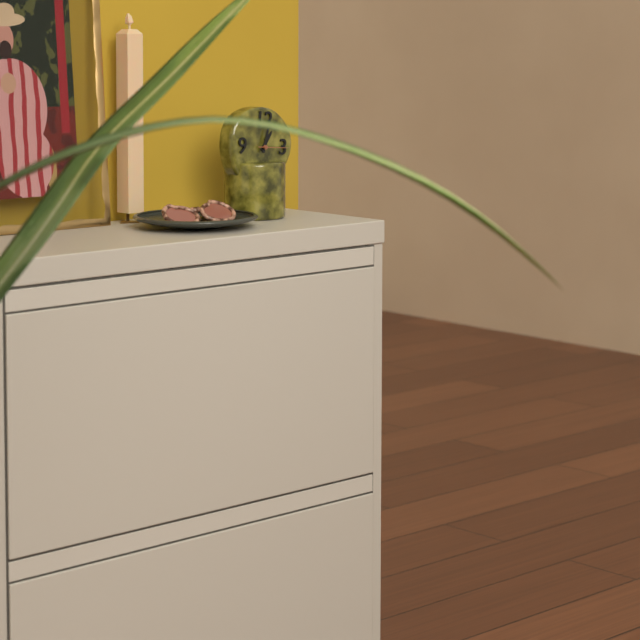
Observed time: 1h02
